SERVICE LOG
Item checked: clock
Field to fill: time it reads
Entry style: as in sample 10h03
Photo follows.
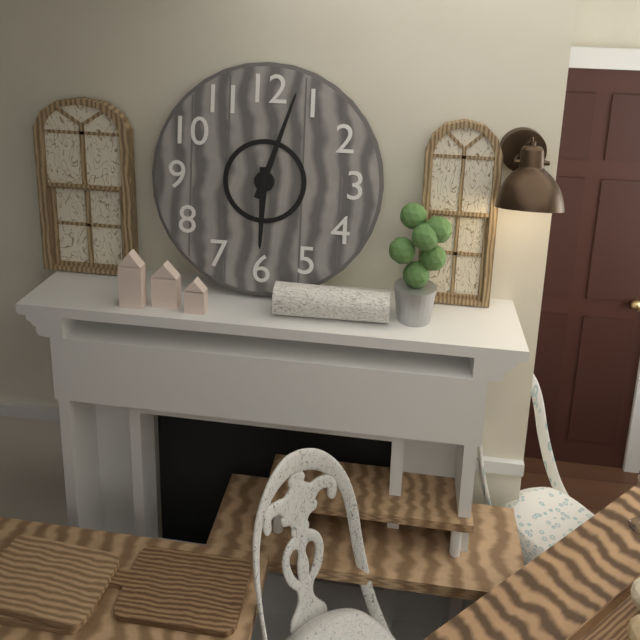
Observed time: 6h03
